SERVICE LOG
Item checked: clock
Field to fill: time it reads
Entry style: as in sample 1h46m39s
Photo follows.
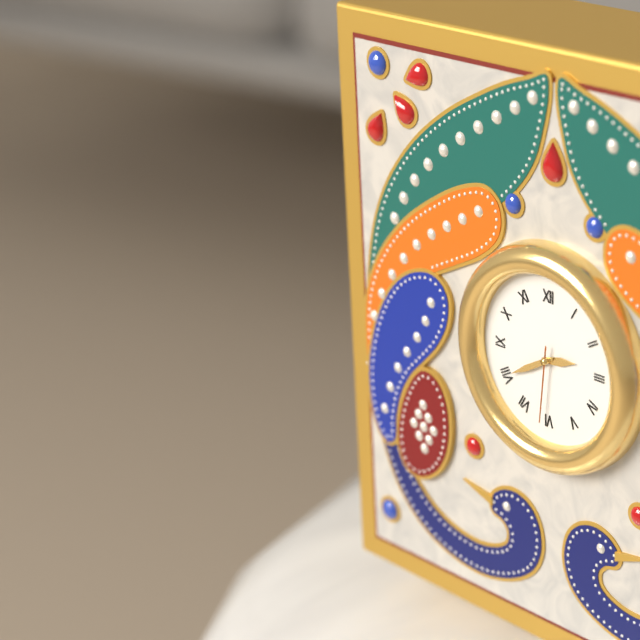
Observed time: 2h40m31s
